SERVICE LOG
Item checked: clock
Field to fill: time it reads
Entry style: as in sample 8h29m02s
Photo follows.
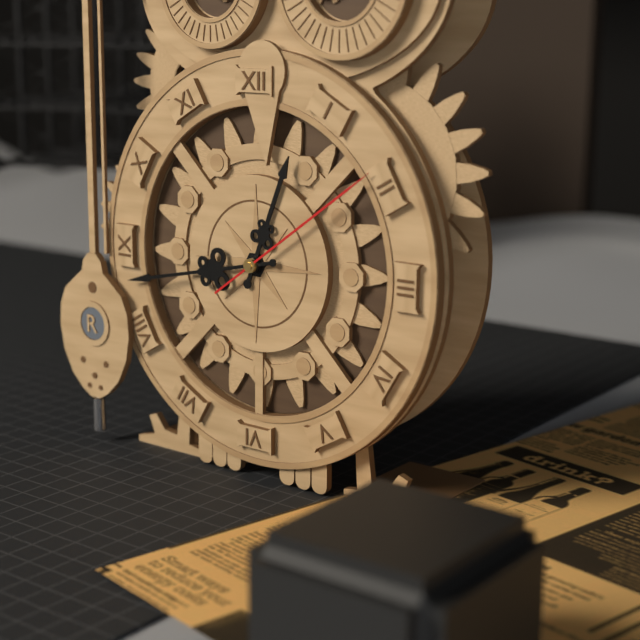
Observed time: 12h43m09s
